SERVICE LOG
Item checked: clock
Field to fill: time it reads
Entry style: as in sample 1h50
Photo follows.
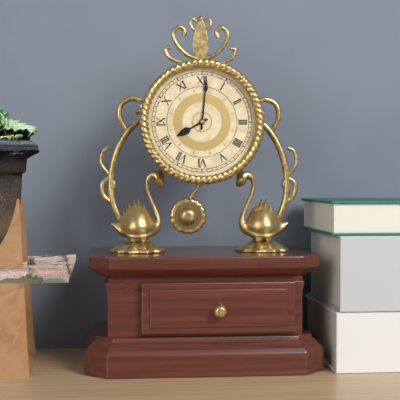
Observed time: 8h01
